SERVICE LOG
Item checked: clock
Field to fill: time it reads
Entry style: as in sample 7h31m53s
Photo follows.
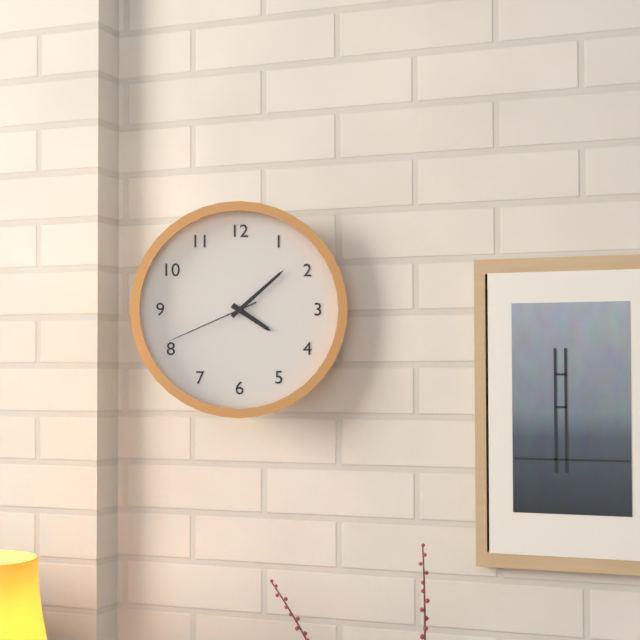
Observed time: 4h08m41s
